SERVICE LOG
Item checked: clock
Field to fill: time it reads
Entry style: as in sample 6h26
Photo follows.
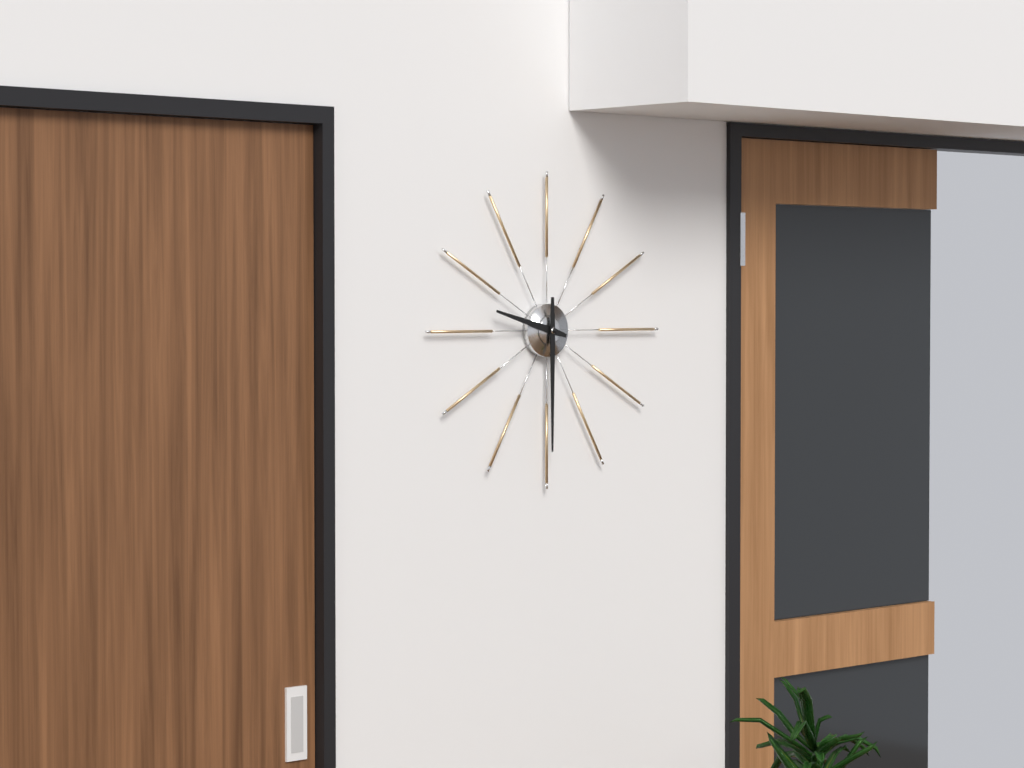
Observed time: 9h30
